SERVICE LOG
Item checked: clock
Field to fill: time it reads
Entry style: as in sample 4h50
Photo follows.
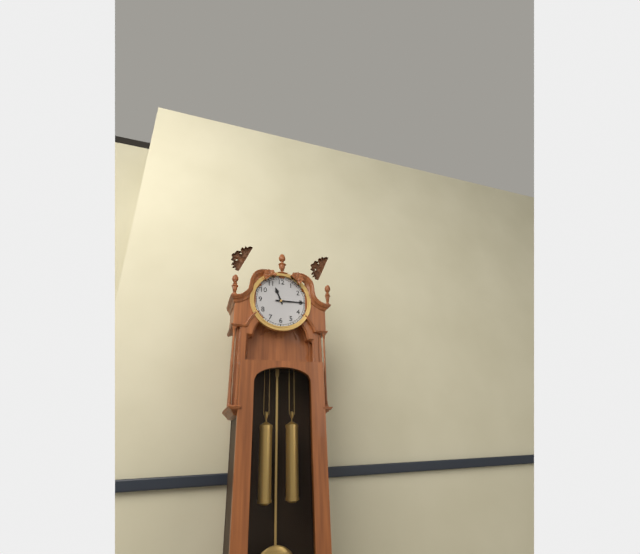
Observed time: 11h15
